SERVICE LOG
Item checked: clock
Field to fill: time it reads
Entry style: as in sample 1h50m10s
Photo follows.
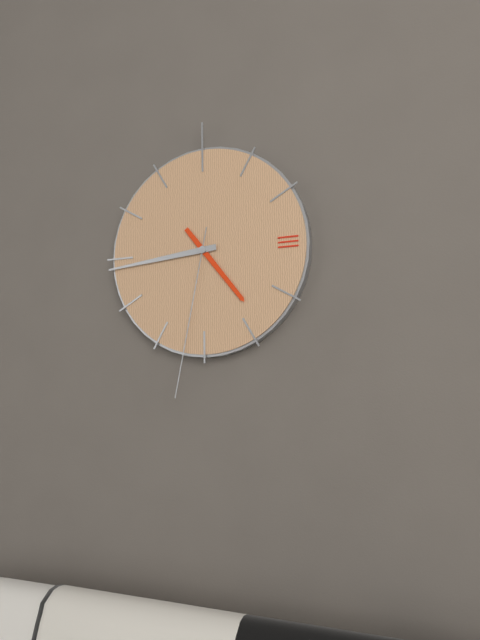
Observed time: 4h44m32s
